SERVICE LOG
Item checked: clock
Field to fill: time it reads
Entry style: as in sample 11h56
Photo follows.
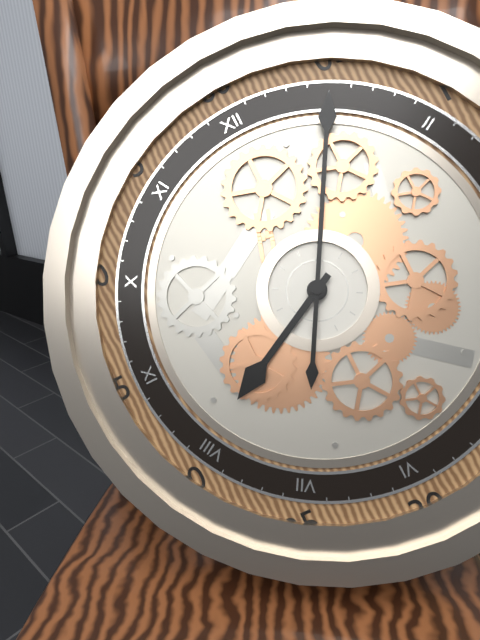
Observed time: 8h05
